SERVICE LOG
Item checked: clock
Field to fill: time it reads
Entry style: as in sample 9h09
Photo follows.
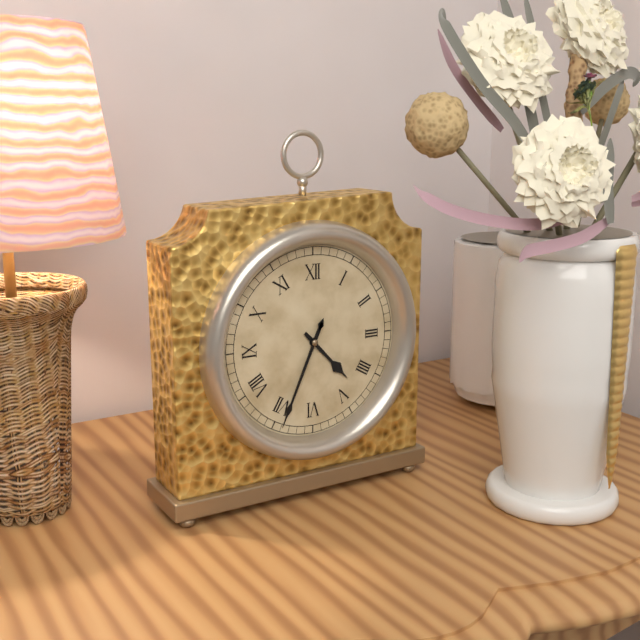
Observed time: 4h34
